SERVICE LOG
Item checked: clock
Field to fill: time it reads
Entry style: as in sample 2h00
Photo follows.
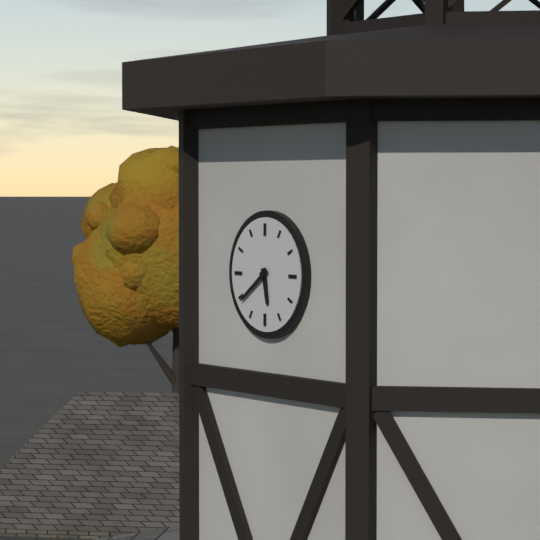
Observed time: 5h39
